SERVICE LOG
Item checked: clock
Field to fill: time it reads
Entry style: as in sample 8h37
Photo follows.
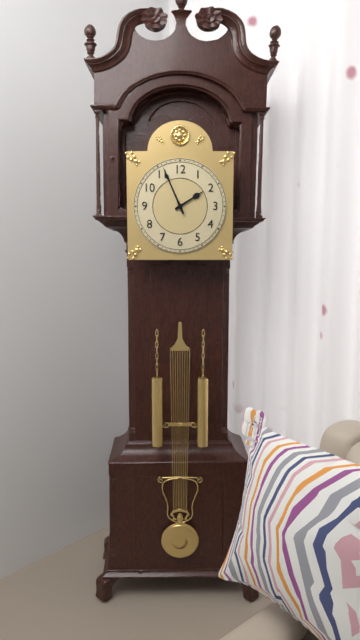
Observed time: 1h56
